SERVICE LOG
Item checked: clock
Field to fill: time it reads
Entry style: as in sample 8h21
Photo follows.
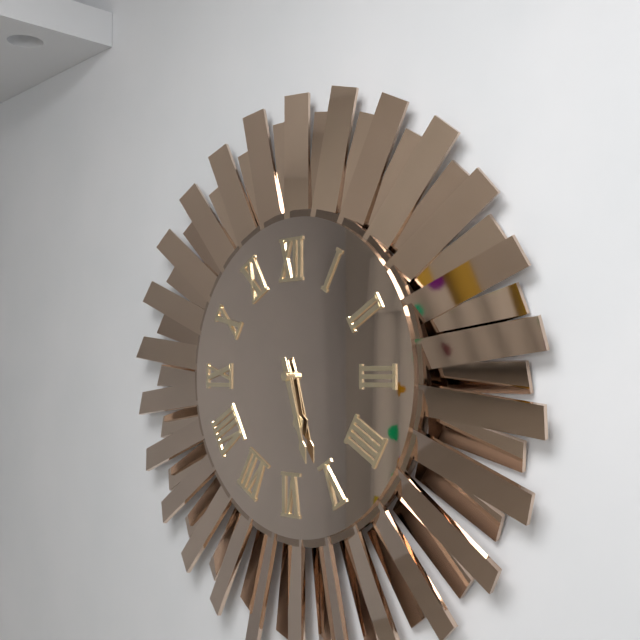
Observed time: 5h27
